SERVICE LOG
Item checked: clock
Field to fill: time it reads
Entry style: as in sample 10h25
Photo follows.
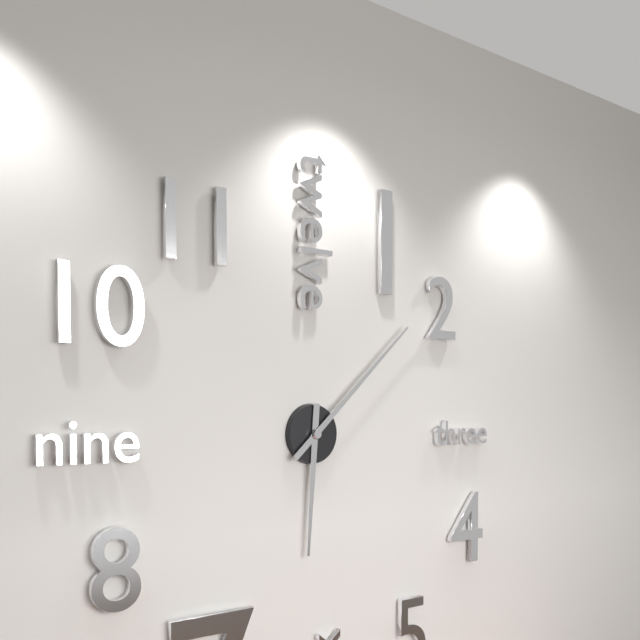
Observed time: 6h08
